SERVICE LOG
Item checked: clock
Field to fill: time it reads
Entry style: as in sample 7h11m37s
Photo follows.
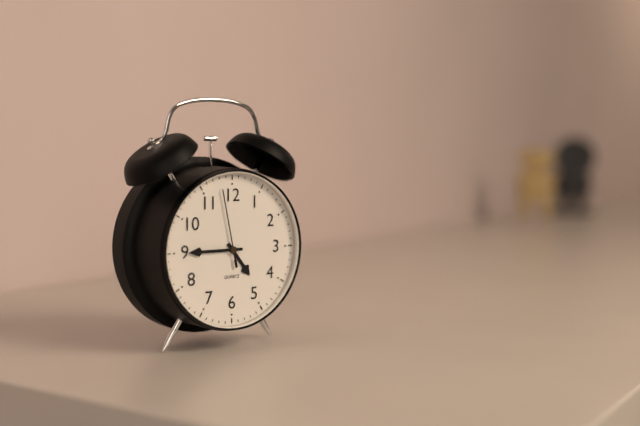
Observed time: 4h45m58s
